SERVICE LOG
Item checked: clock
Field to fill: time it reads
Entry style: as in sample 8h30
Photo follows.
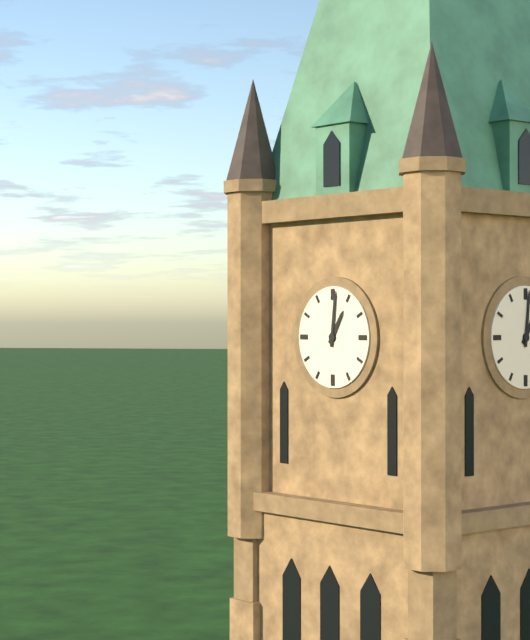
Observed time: 1h01
